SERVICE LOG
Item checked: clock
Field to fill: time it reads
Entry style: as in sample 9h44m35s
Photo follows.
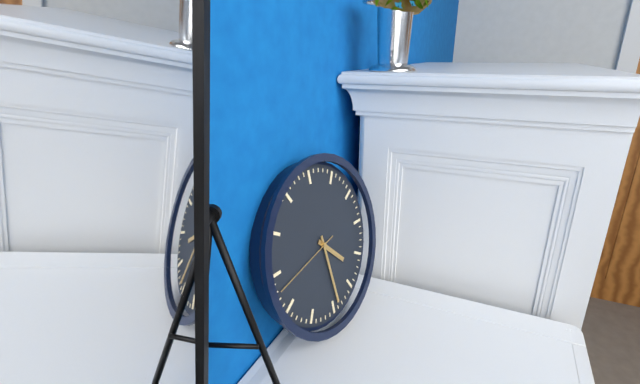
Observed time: 4h29m43s
